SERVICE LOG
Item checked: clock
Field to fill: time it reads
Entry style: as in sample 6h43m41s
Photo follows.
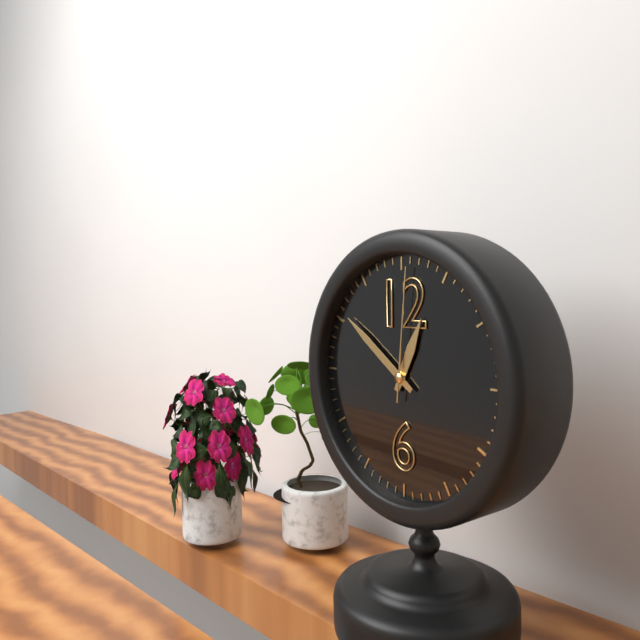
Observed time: 12h51m01s
